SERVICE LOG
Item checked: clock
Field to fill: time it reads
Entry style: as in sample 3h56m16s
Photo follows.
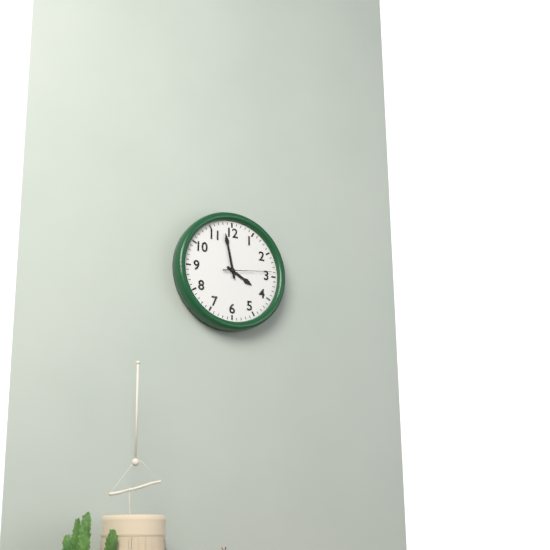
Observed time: 3h58m14s
